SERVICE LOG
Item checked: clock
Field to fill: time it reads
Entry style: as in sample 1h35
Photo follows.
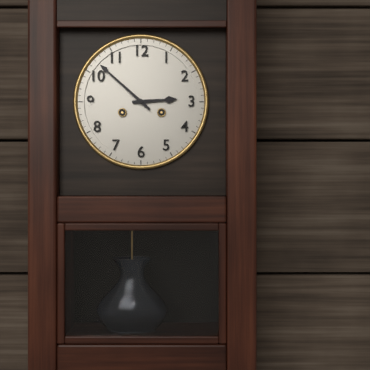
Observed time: 2h52
